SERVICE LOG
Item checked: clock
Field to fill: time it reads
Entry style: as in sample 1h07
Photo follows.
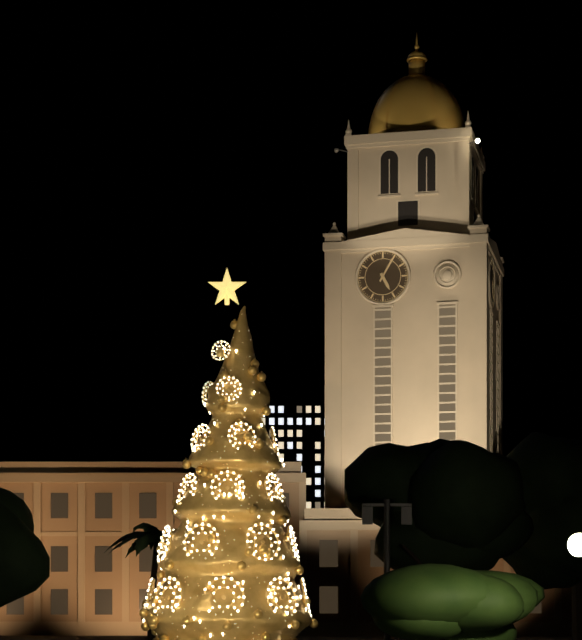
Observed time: 5h05
